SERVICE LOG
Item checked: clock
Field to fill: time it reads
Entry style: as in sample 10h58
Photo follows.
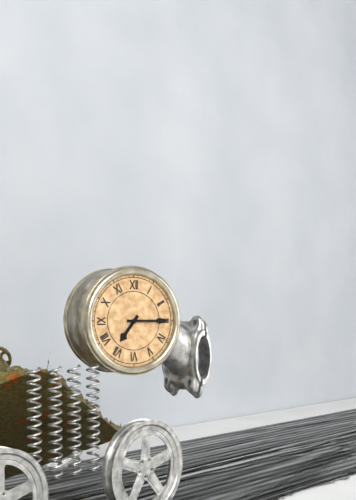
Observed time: 7h15
